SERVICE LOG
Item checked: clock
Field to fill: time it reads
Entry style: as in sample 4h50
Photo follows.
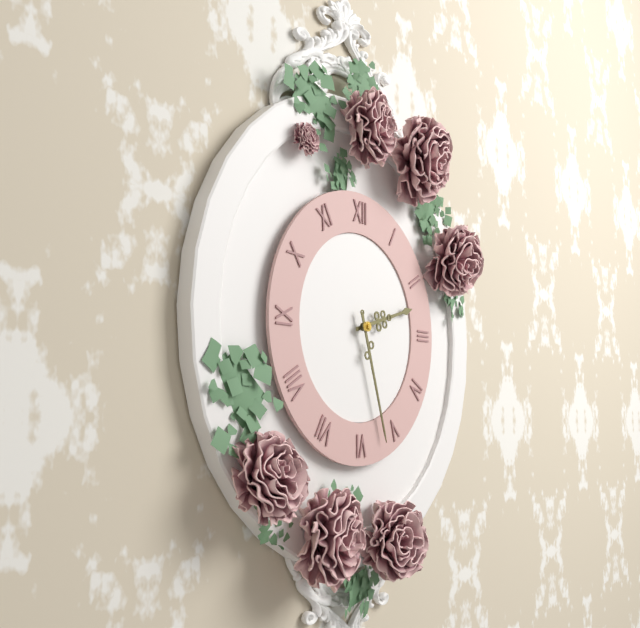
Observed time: 2h27
